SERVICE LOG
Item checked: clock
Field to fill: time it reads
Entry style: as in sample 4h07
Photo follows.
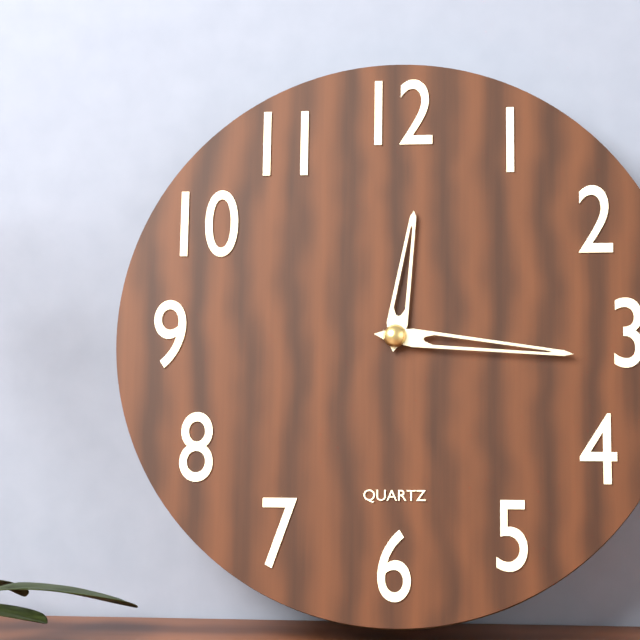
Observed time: 12h16
